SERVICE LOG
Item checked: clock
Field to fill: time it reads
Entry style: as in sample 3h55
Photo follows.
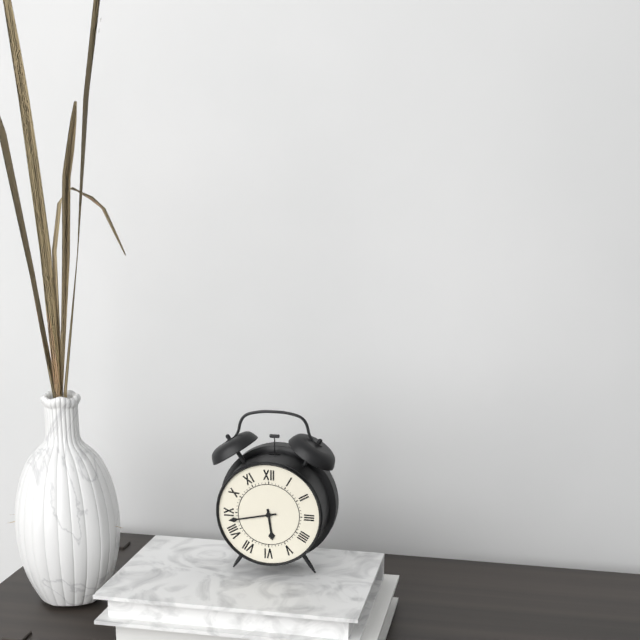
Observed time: 5h43
